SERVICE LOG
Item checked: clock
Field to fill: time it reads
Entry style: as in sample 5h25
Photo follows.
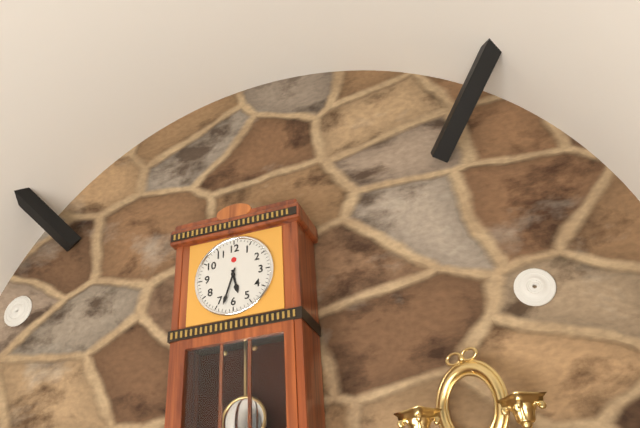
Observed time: 5h33
